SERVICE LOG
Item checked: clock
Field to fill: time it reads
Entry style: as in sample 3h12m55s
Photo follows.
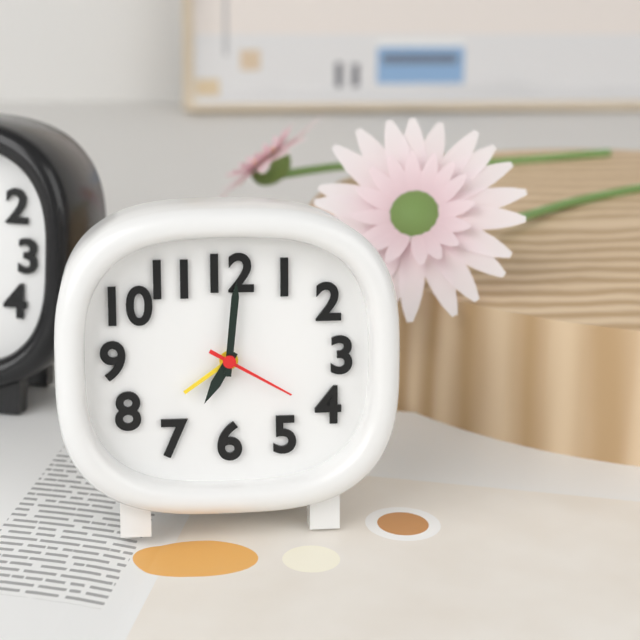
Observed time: 7h01m20s
